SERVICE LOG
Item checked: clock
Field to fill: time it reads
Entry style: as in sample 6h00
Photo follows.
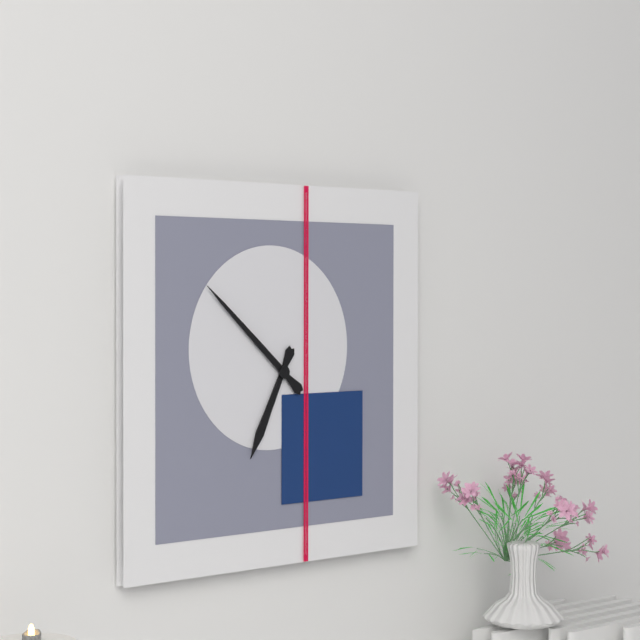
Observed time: 6h52
